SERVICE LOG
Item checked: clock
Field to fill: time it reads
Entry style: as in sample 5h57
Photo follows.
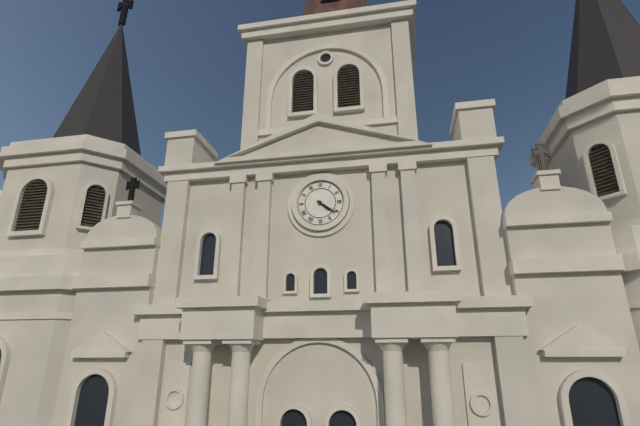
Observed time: 4h21
